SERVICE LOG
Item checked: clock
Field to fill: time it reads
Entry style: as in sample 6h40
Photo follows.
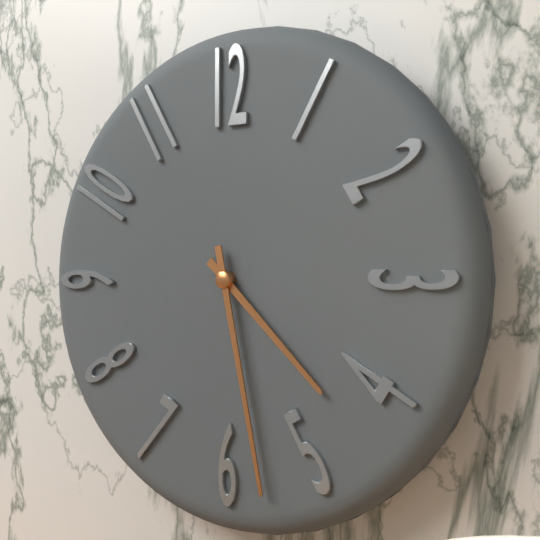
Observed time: 4h28
